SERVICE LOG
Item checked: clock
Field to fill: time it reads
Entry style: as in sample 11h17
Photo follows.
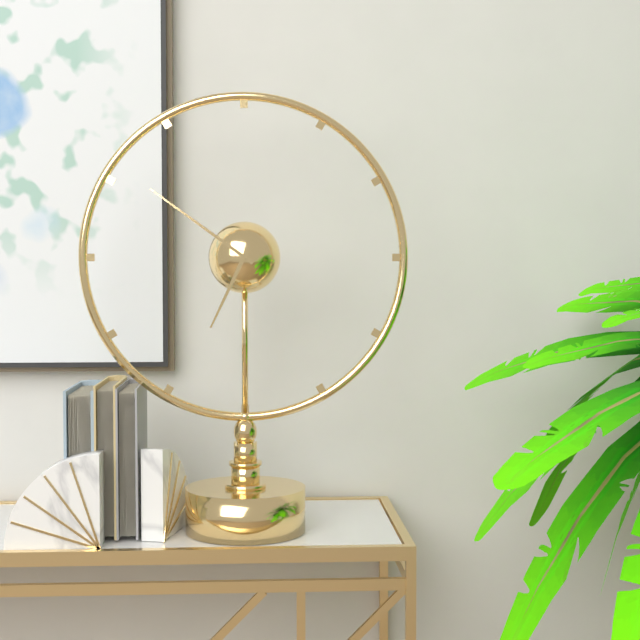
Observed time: 6h51
